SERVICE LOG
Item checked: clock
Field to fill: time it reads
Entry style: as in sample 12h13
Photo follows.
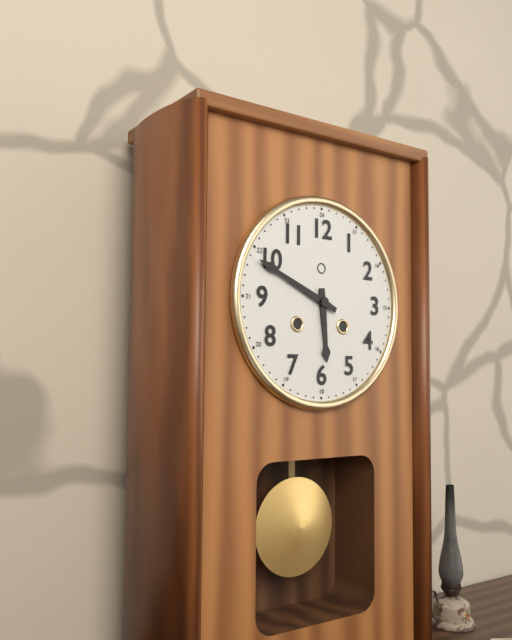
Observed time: 5h49
